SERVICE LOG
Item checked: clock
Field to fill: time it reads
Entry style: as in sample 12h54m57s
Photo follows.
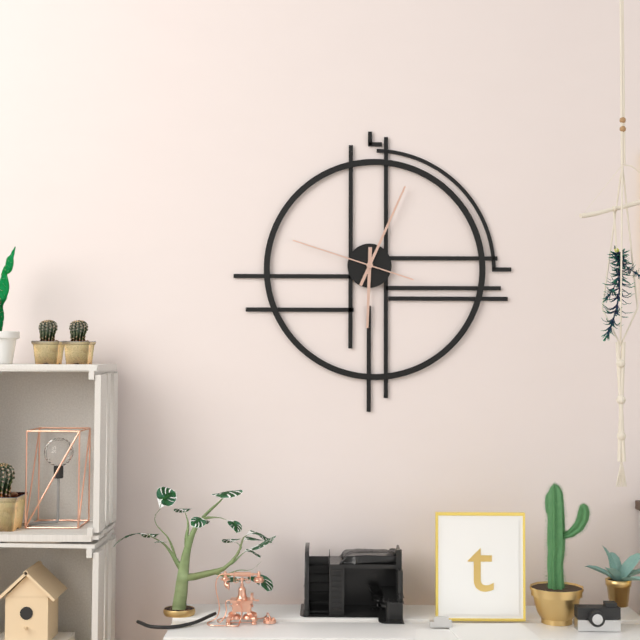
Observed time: 6h04m48s
